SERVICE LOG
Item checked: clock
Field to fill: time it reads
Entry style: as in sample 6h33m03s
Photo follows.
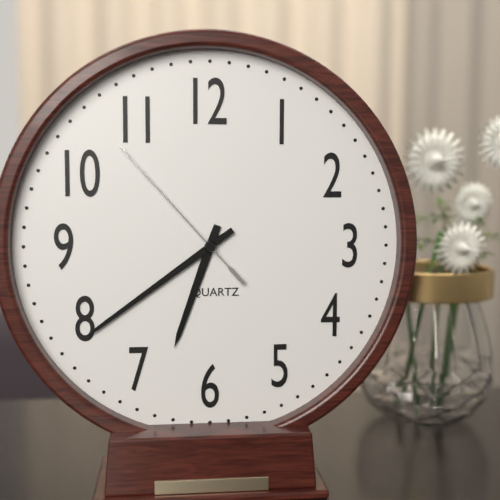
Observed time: 6h39m53s
